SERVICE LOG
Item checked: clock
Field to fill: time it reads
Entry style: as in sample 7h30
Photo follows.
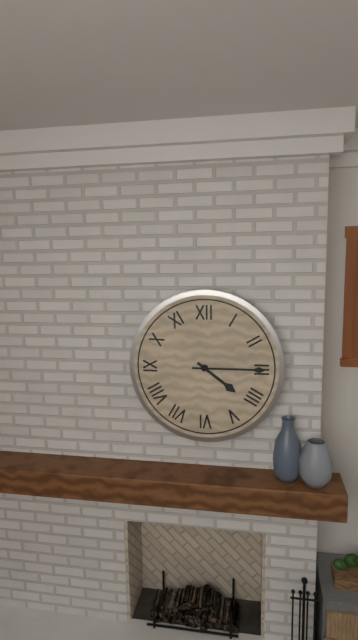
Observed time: 4h15
